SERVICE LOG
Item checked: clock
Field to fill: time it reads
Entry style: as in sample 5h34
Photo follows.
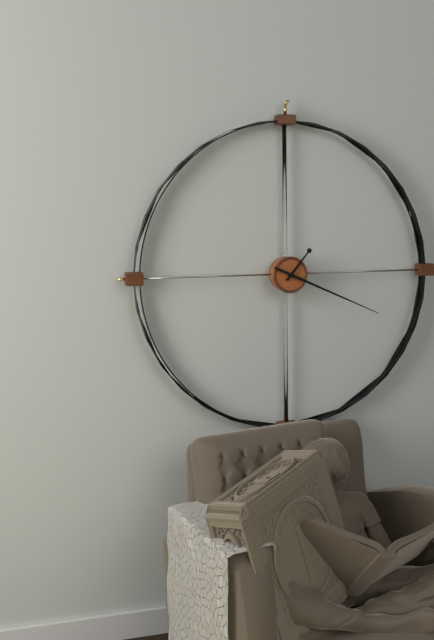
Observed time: 1h19
